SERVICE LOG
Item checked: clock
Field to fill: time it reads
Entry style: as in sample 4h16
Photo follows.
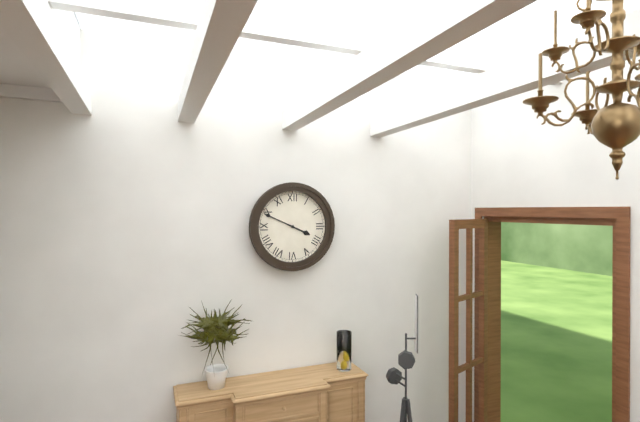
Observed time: 3h49
